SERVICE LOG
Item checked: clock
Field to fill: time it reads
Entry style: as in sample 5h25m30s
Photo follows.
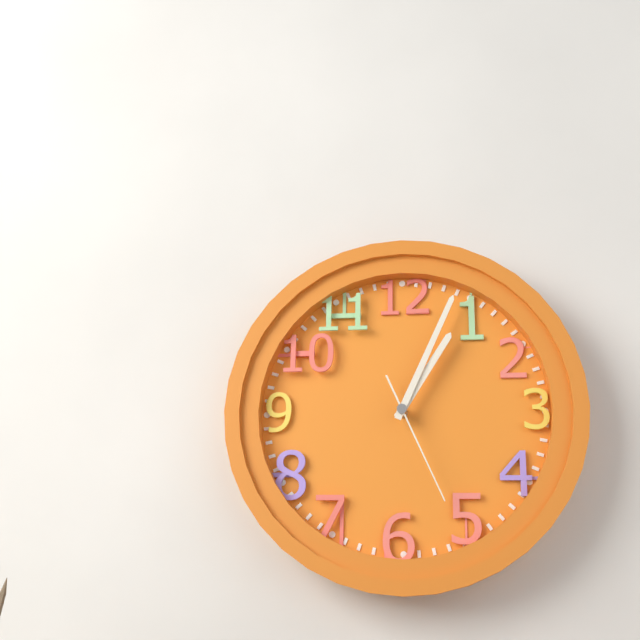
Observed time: 1h04m26s
